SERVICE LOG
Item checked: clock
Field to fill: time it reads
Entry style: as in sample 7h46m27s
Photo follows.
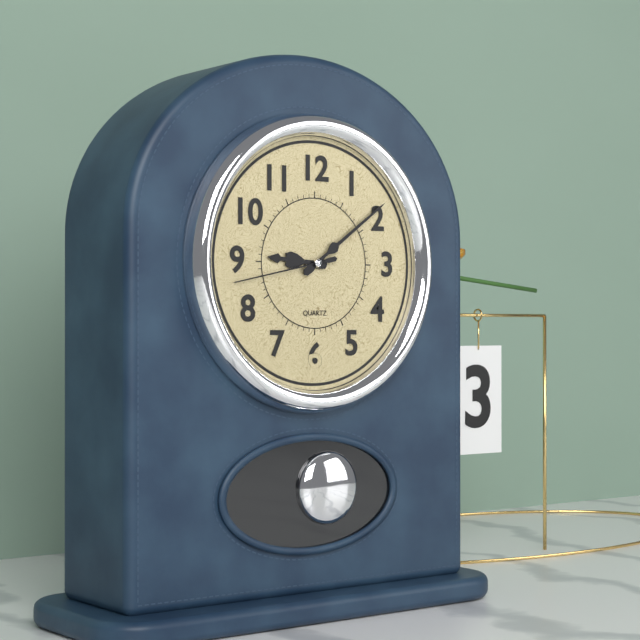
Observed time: 9h09m43s
